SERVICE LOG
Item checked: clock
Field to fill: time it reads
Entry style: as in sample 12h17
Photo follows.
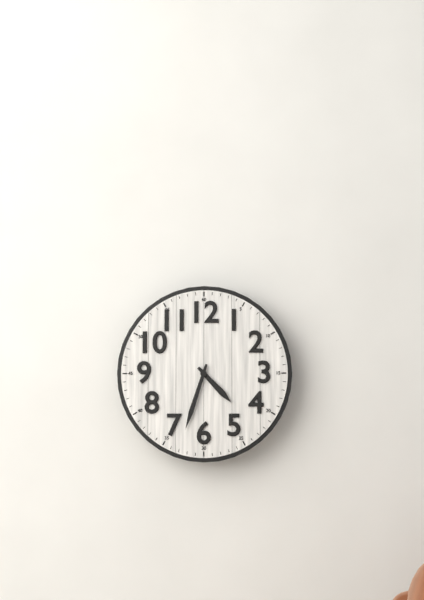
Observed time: 4h33
